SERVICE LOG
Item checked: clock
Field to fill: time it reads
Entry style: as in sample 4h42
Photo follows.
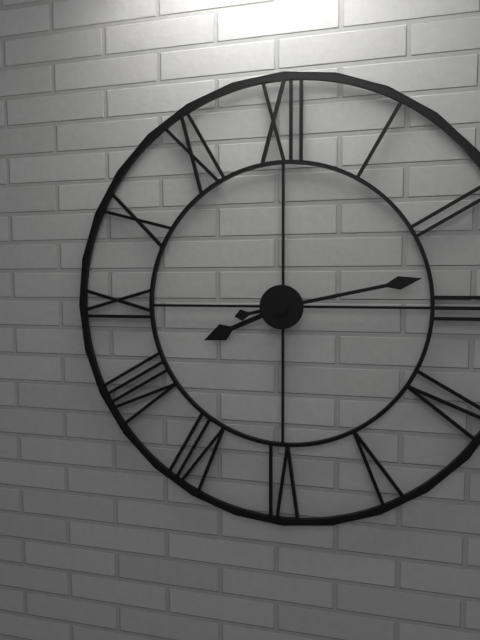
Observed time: 8h13
